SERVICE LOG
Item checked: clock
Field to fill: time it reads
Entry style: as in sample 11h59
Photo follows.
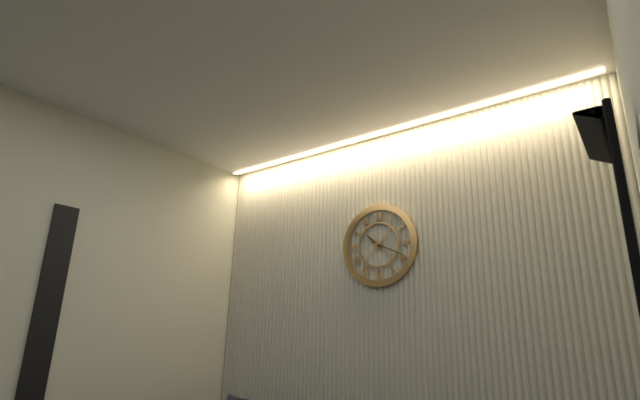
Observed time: 10h19
